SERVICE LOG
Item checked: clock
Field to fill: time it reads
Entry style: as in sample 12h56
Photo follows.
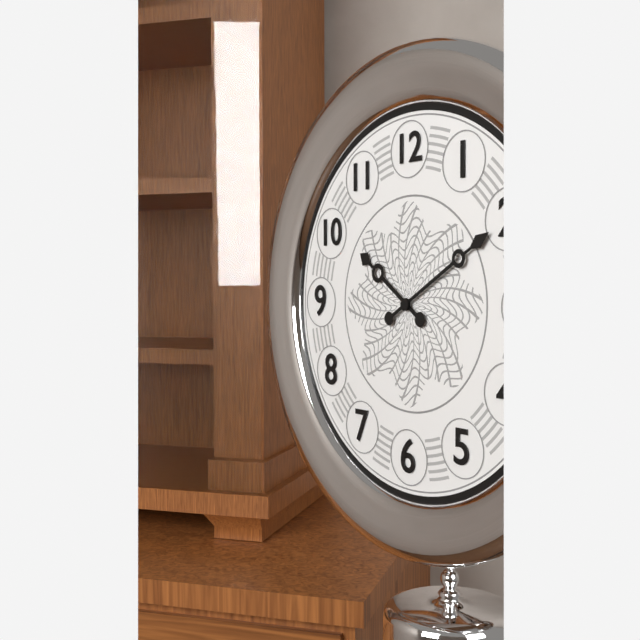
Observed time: 10h10
